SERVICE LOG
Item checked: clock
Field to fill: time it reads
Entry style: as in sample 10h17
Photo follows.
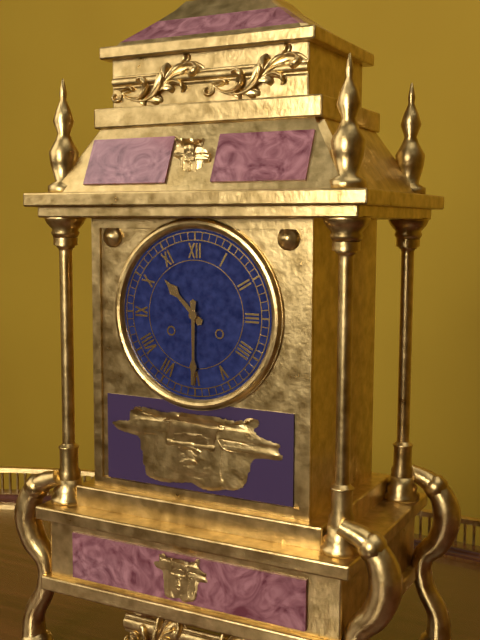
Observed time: 10h30
